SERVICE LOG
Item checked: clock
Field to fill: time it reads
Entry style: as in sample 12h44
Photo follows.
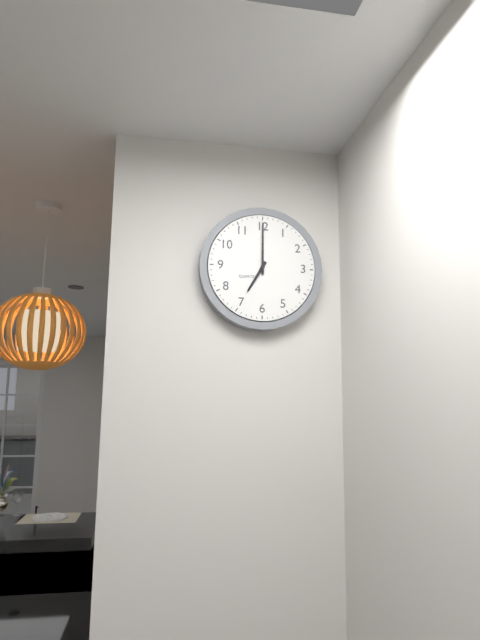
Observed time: 7h00
